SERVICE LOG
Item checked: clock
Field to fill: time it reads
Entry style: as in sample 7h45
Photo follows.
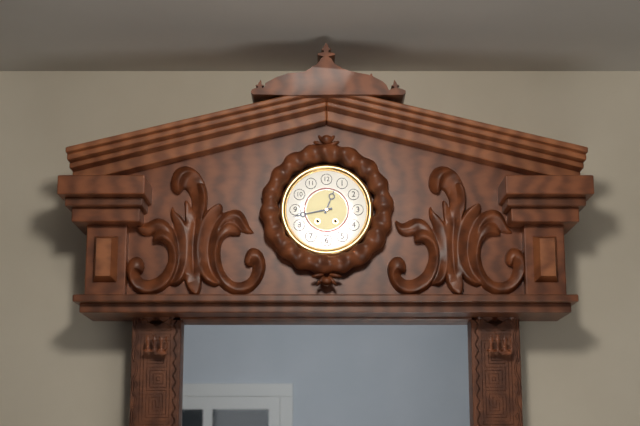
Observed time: 12h43
